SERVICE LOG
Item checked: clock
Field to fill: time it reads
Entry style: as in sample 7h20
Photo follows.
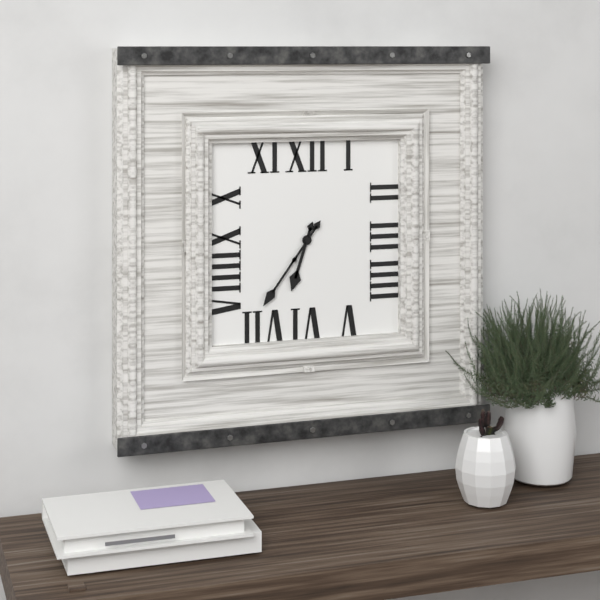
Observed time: 6h36
